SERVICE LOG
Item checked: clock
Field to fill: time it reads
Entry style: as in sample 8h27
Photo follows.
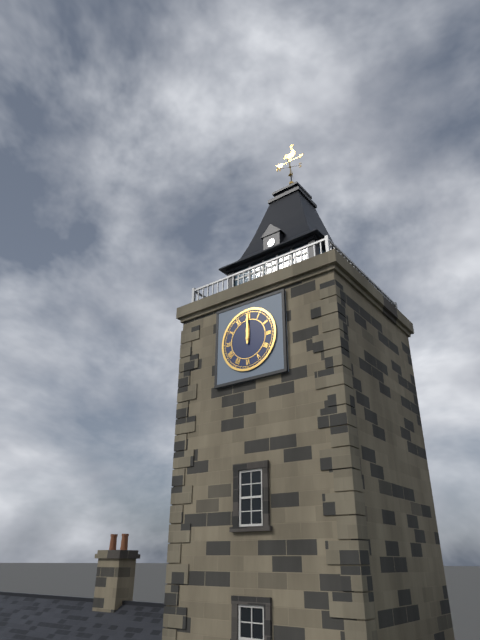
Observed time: 12h00
